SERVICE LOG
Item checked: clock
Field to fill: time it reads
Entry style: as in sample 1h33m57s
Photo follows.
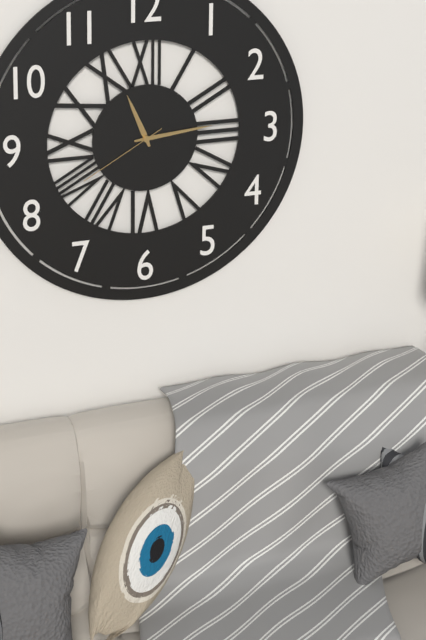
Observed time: 11h14m40s
